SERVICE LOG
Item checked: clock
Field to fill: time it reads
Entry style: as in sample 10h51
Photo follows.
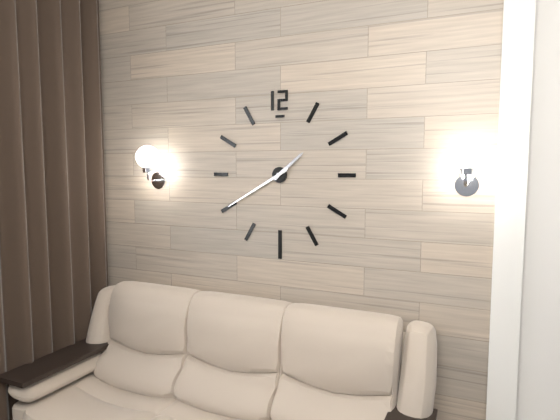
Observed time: 1h40
